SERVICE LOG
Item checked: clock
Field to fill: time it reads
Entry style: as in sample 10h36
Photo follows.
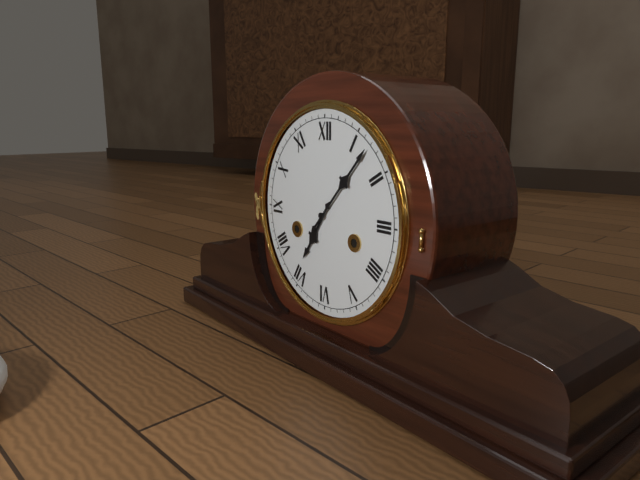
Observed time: 7h07
